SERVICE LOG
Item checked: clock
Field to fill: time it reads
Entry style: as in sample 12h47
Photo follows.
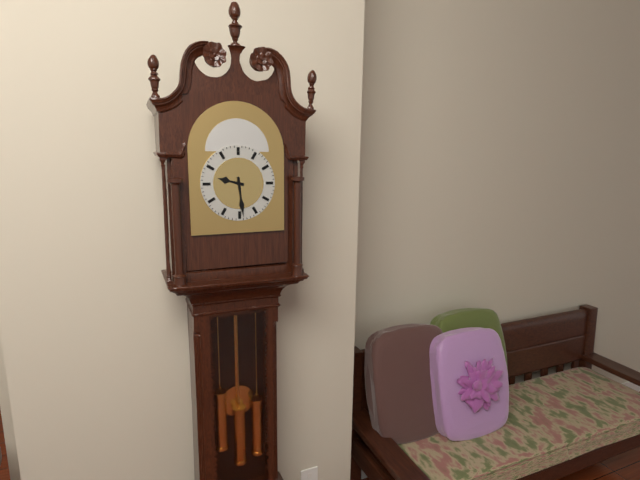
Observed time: 9h29
